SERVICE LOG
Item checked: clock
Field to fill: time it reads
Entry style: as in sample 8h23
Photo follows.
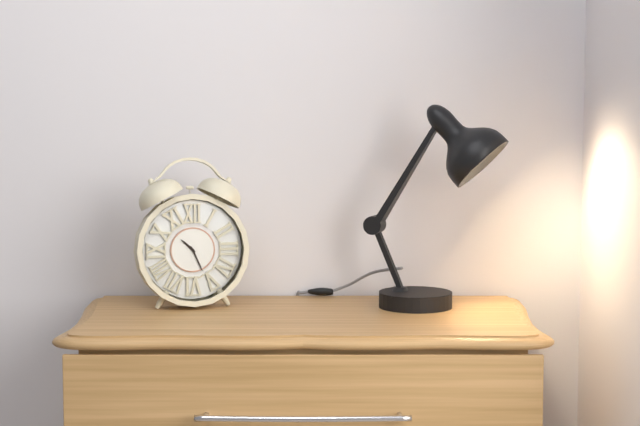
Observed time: 10h26
